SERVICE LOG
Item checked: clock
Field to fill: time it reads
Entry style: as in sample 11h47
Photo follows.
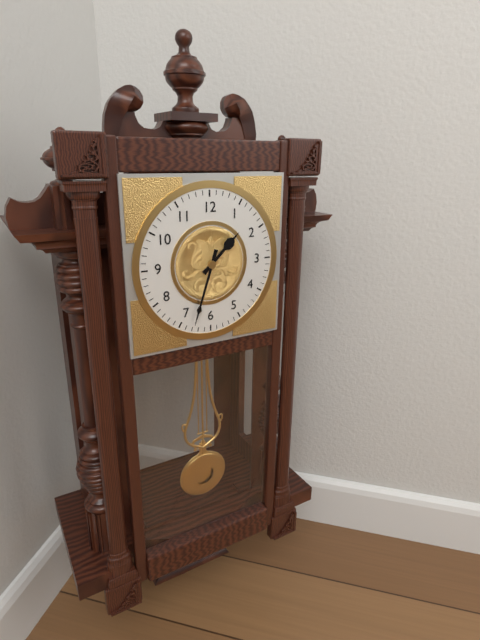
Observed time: 1h33
